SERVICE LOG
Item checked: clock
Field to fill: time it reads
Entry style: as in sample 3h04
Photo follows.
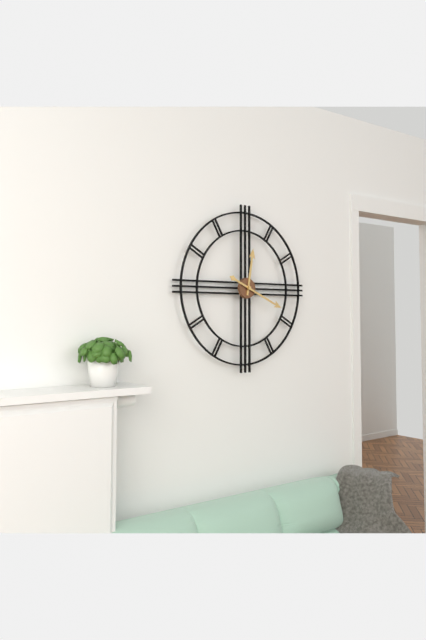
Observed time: 12h19
